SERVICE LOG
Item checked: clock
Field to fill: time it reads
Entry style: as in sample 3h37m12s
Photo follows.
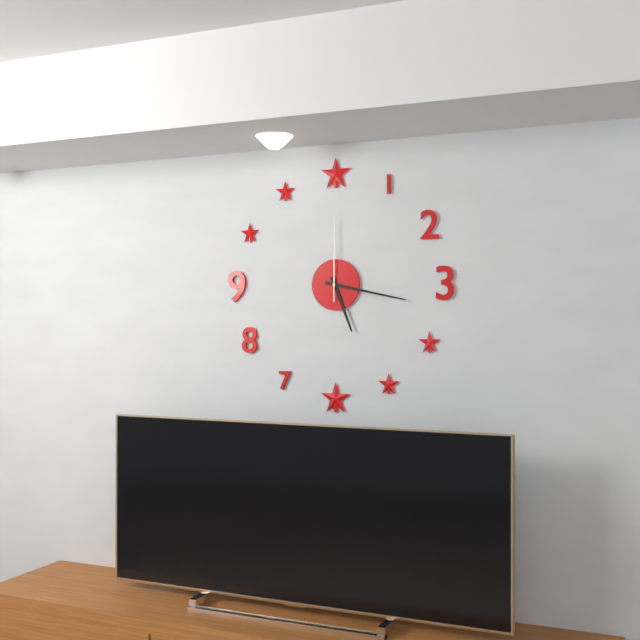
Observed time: 5h17m00s
